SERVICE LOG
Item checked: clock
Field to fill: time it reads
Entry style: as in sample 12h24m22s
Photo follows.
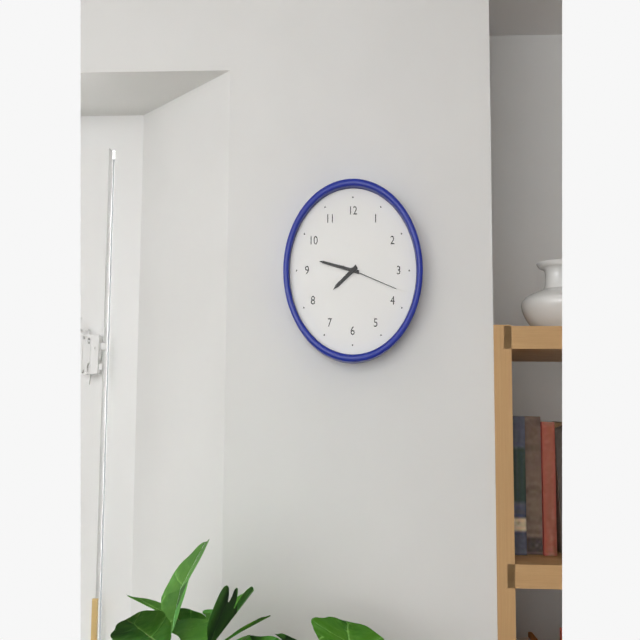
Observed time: 7h47m18s
